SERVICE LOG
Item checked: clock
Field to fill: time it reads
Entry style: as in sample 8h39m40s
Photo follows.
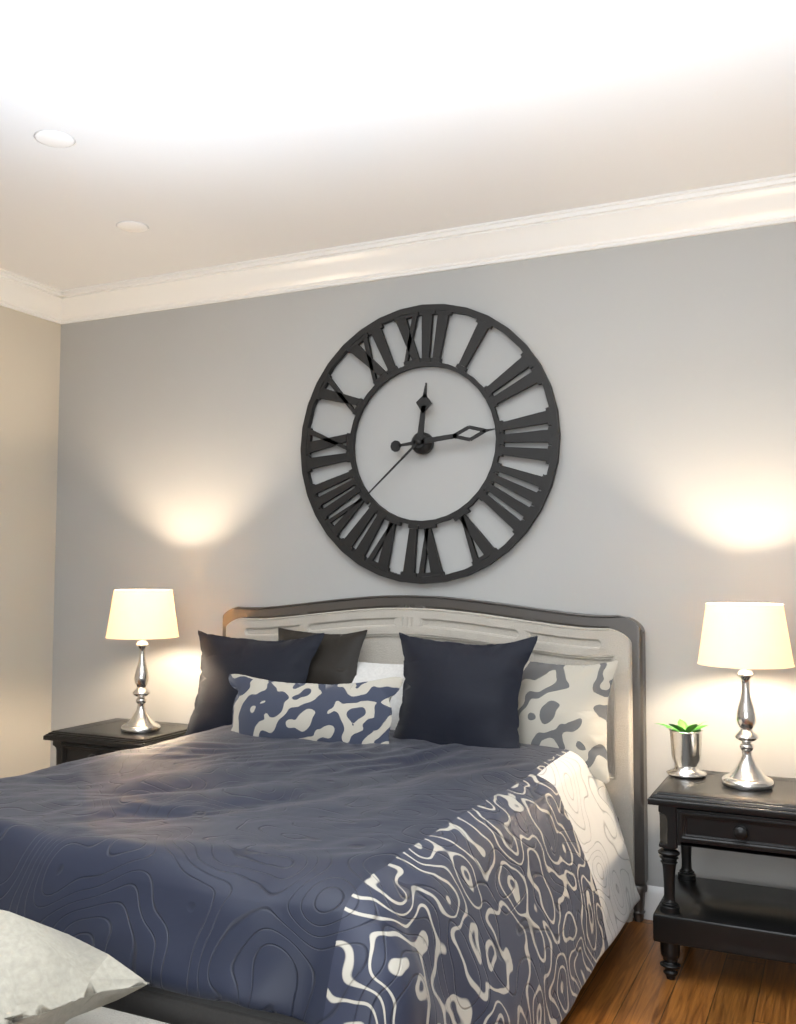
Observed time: 12h14m38s
